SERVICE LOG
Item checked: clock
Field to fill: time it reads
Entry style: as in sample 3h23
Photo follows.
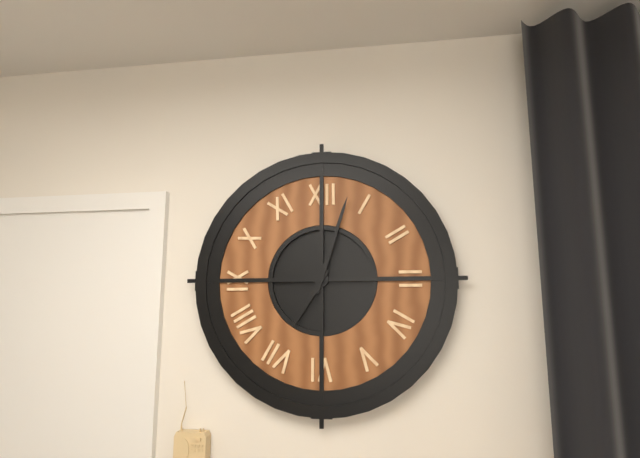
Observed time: 7h03
